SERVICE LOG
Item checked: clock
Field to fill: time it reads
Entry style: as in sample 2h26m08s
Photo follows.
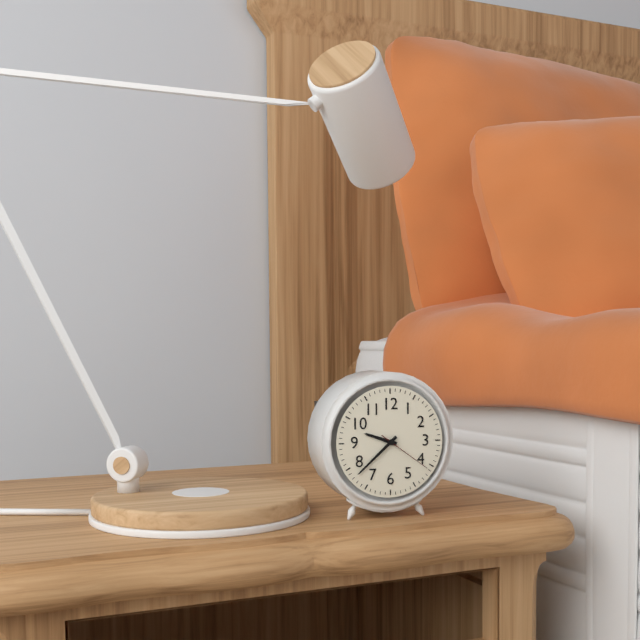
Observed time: 9h38m21s
